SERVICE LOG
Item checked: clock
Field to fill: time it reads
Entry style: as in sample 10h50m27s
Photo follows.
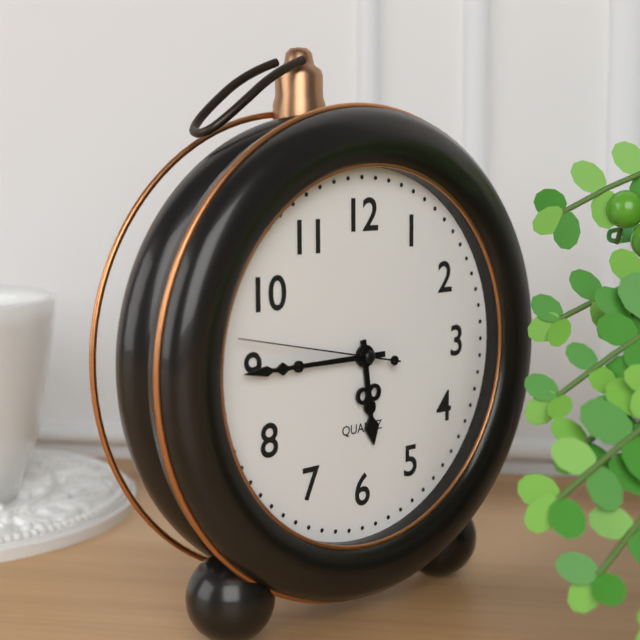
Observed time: 5h45m47s
